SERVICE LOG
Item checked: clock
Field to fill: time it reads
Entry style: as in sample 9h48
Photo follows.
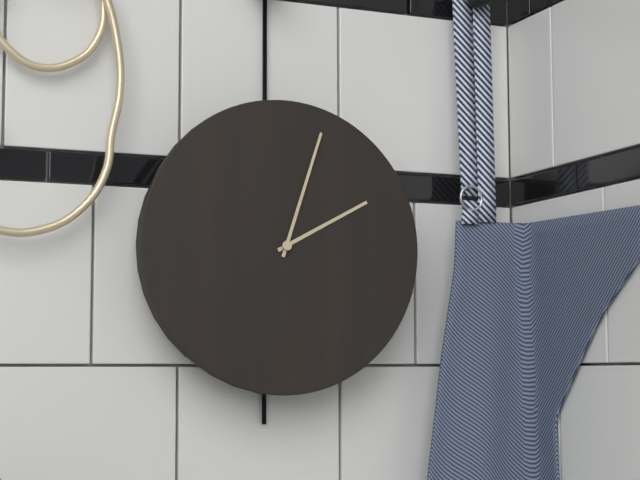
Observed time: 2h03
